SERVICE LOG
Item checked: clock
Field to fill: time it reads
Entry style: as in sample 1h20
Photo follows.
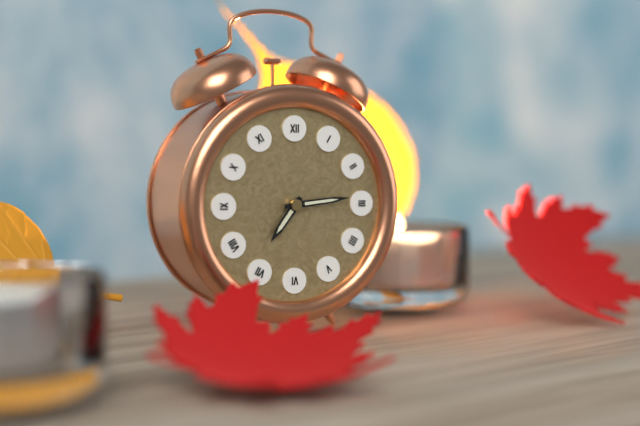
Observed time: 7h14
